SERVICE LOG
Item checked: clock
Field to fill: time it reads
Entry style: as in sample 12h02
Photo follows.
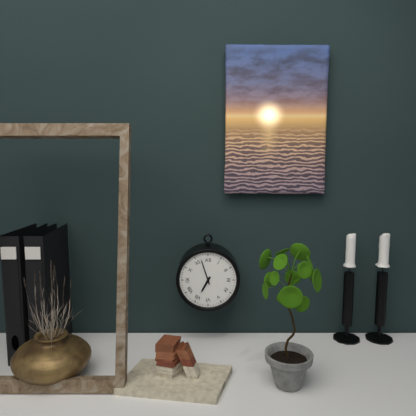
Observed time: 6h57
